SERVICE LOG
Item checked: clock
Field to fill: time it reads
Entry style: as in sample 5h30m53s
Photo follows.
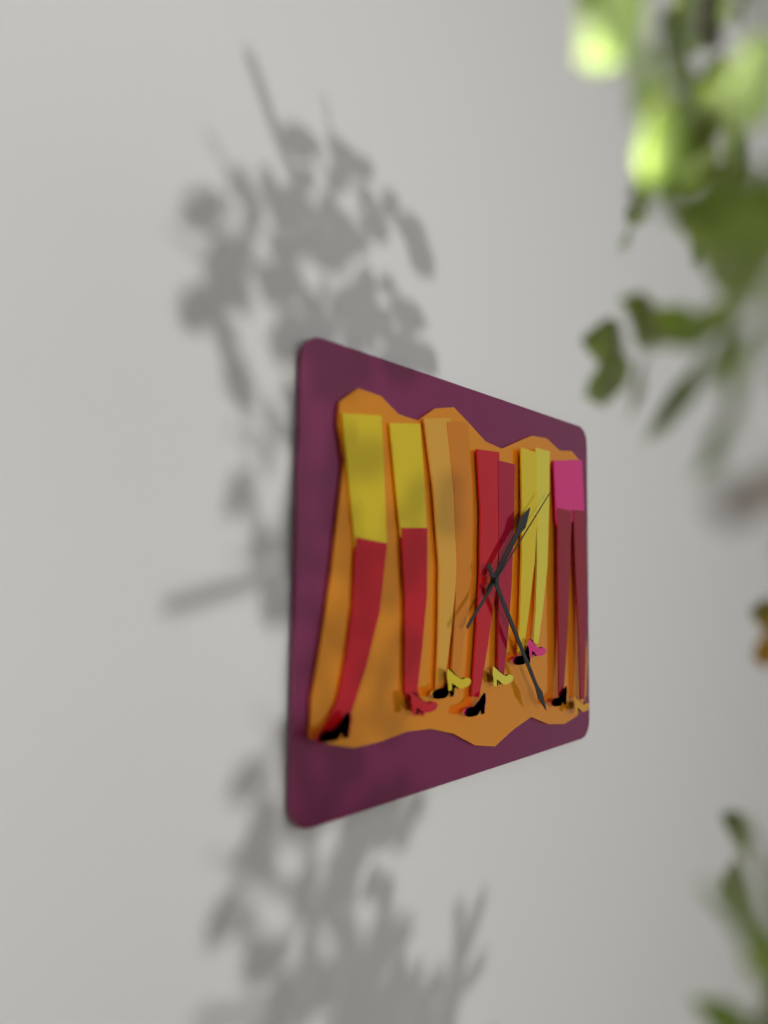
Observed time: 1h24m08s
